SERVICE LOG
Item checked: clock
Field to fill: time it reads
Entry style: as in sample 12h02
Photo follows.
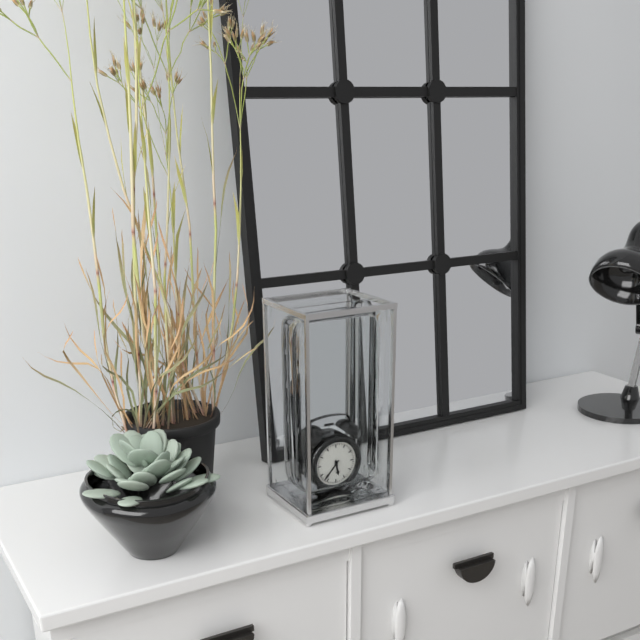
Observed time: 5h37
